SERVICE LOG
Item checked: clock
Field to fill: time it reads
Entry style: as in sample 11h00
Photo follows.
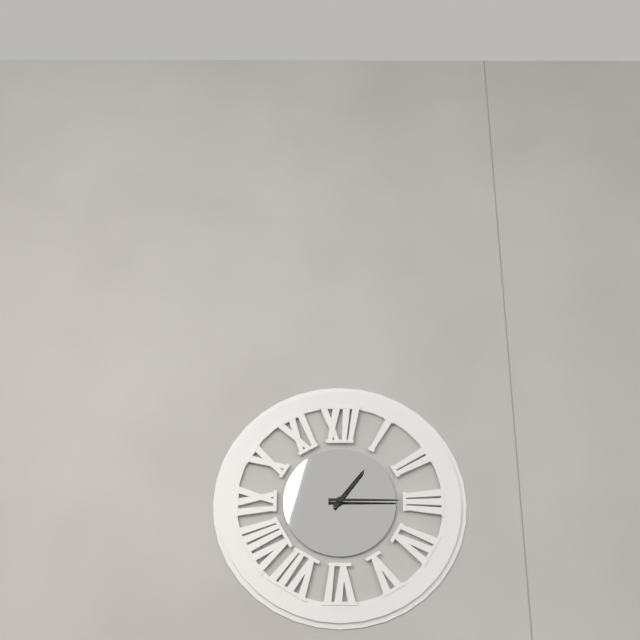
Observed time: 1h15
